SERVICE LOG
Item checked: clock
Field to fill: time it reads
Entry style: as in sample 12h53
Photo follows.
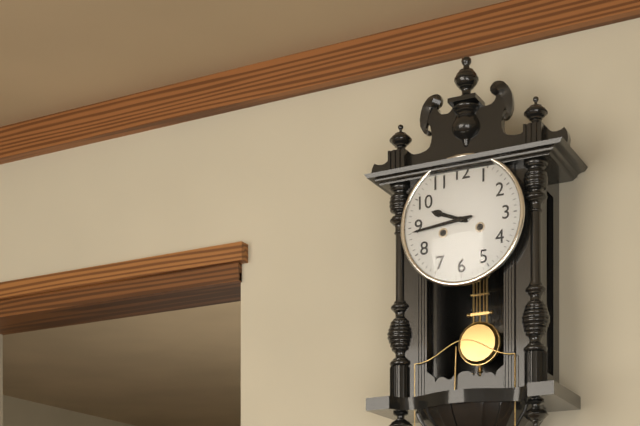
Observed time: 9h44
